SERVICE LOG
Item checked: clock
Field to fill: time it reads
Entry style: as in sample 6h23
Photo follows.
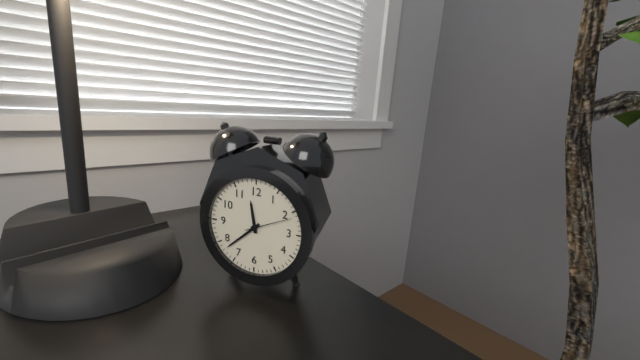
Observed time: 11h38
